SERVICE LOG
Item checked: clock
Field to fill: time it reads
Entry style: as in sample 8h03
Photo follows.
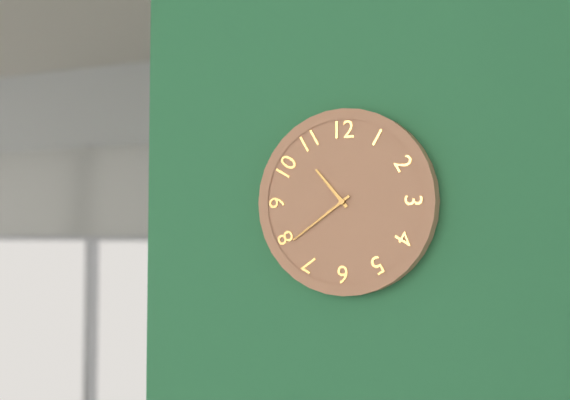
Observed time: 10h39
